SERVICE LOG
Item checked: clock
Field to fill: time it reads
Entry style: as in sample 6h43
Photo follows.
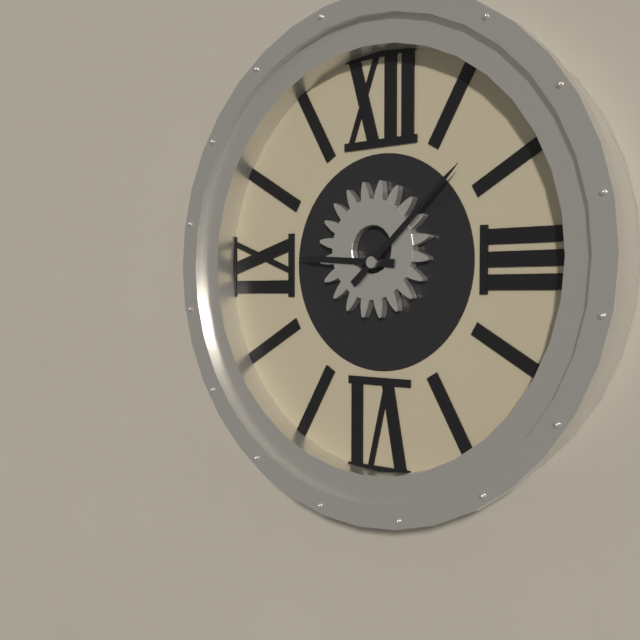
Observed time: 9h08
